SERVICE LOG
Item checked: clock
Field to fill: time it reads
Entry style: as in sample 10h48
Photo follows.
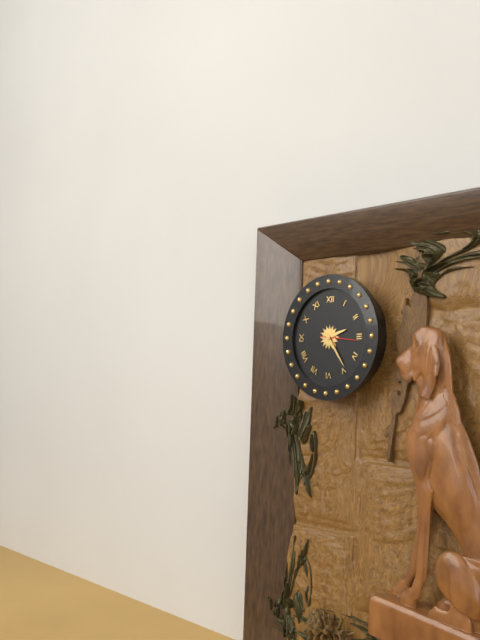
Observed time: 2h24
